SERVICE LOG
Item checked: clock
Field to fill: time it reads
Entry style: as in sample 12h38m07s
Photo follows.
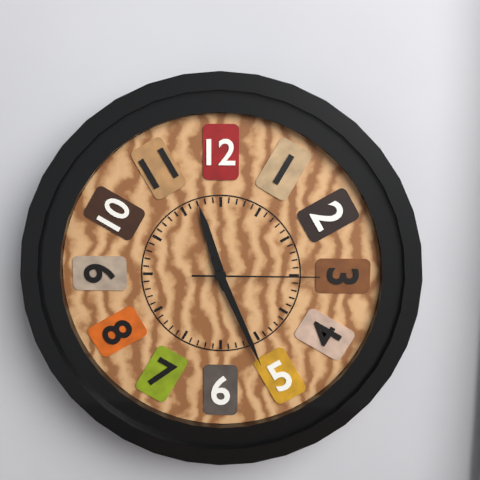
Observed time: 11h26m15s
